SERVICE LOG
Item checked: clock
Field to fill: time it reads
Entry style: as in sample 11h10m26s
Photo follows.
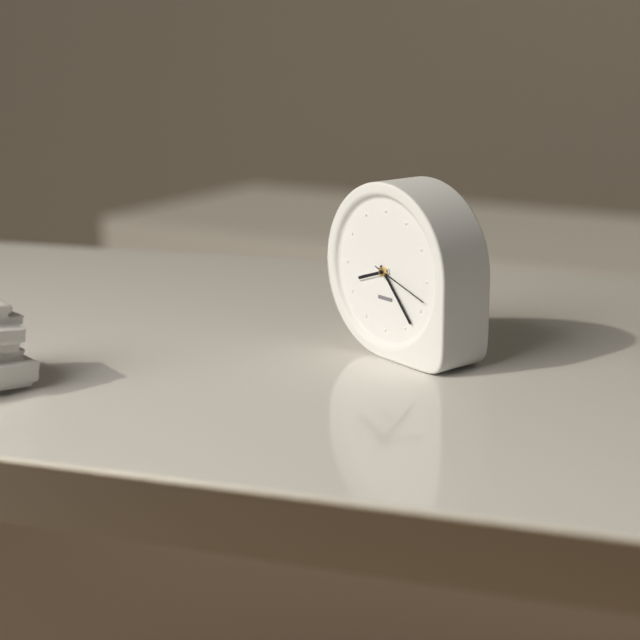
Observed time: 8h23m18s
